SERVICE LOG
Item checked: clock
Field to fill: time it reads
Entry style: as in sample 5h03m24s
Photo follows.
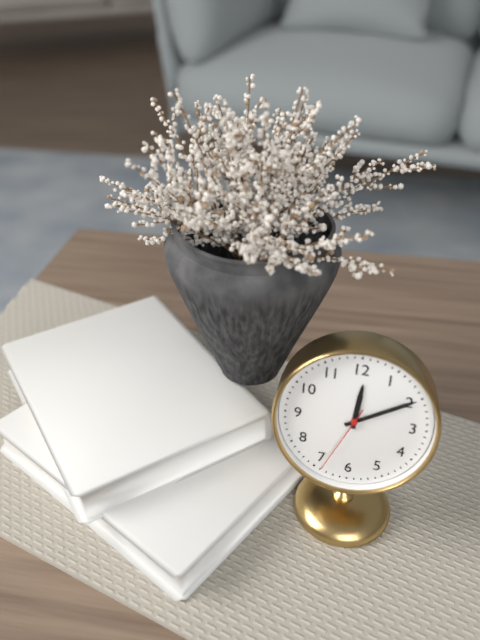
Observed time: 12h10m34s
